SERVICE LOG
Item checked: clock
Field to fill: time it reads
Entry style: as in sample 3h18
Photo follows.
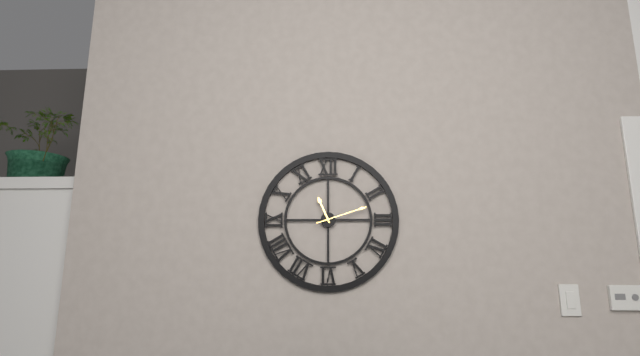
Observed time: 11h12
